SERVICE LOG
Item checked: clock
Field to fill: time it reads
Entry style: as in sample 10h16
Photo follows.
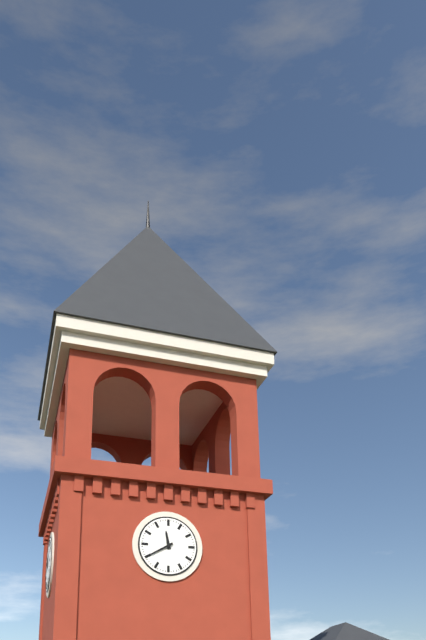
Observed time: 11h40
